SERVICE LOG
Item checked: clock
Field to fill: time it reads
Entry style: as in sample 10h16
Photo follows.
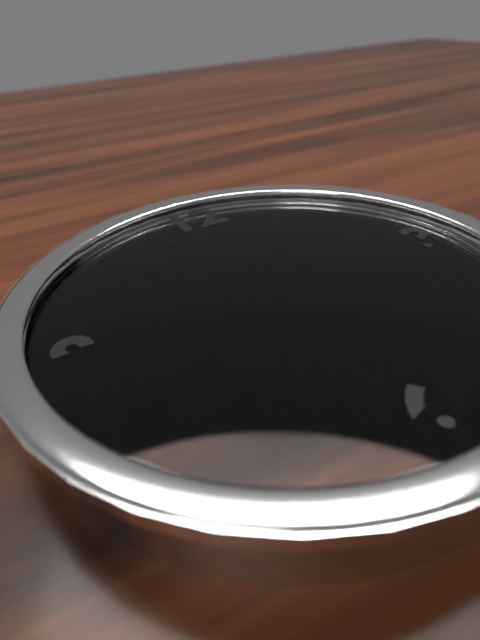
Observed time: 9h04
